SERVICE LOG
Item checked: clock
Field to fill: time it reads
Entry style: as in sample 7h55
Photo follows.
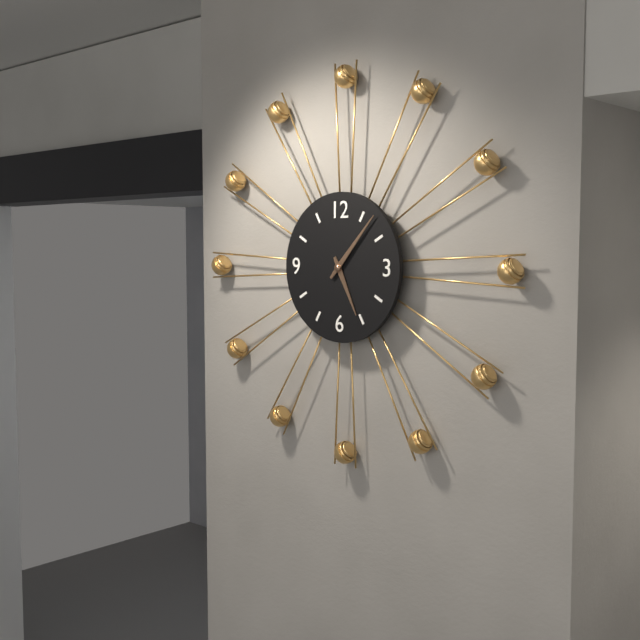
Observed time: 5h07
